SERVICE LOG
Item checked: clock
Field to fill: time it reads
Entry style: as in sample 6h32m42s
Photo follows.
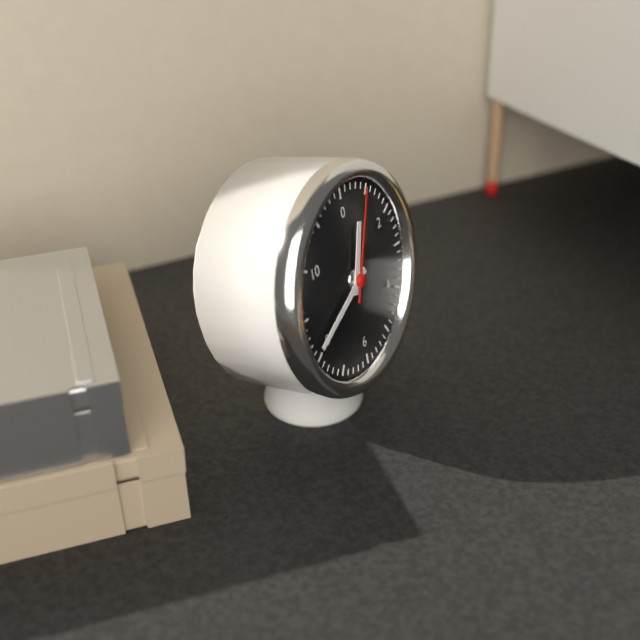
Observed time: 12h41m04s
